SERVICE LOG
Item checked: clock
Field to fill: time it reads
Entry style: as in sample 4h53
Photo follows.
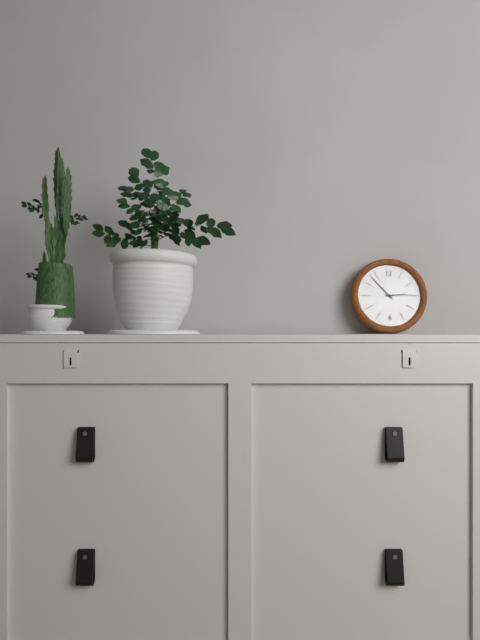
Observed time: 2h53
